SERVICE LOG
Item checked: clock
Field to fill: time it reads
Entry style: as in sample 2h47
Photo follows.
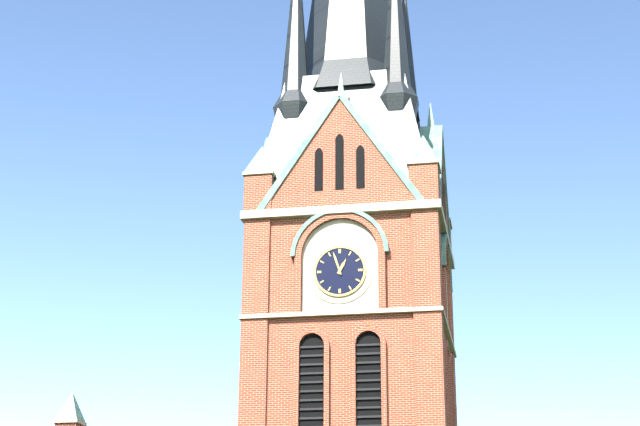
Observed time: 12h57
